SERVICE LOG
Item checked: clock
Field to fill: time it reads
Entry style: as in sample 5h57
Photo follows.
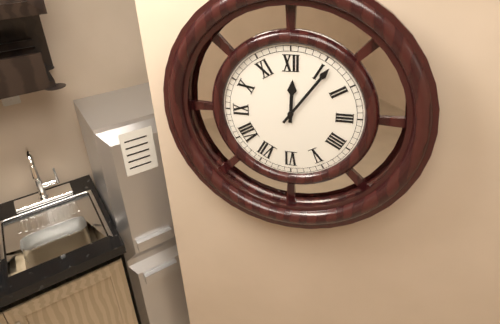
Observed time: 12h06
